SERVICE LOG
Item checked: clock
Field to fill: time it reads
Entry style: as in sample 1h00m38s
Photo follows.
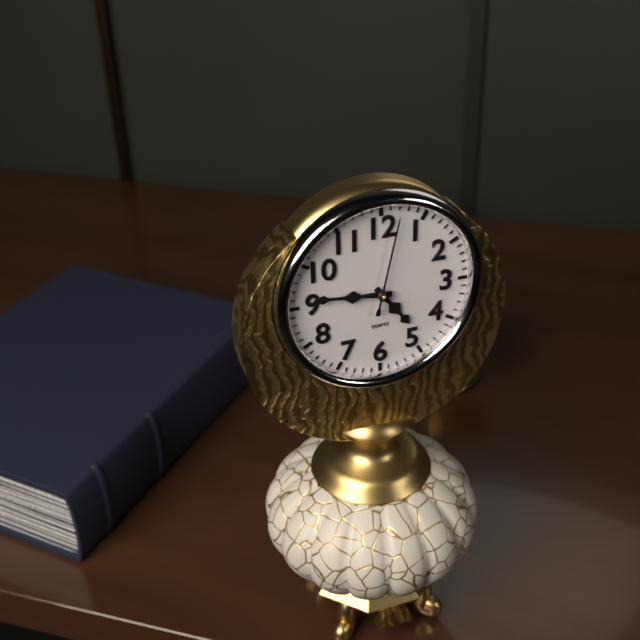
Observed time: 4h46m02s
